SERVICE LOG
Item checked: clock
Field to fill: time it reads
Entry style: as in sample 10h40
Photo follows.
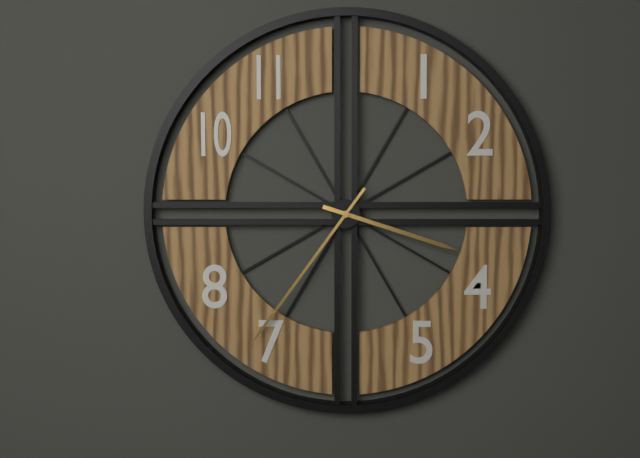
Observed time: 3h36
